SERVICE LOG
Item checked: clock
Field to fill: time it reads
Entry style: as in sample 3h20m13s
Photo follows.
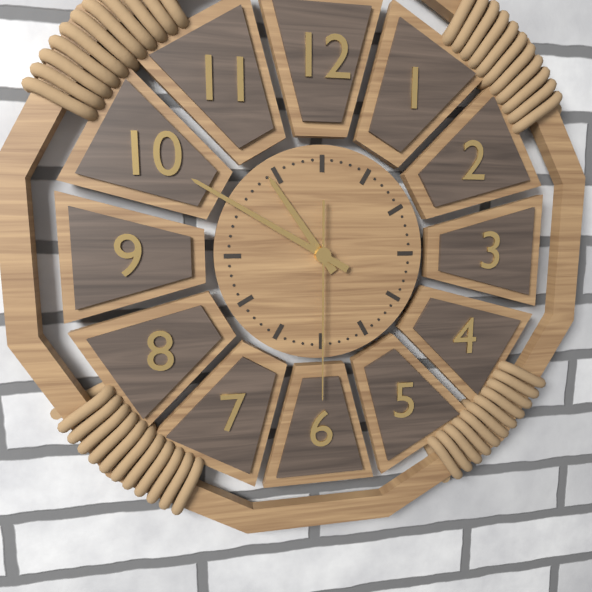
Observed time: 10h50m30s
